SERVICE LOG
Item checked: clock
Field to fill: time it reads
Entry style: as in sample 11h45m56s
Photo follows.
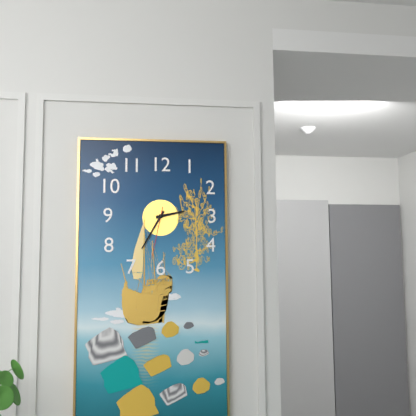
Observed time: 2h35m32s
